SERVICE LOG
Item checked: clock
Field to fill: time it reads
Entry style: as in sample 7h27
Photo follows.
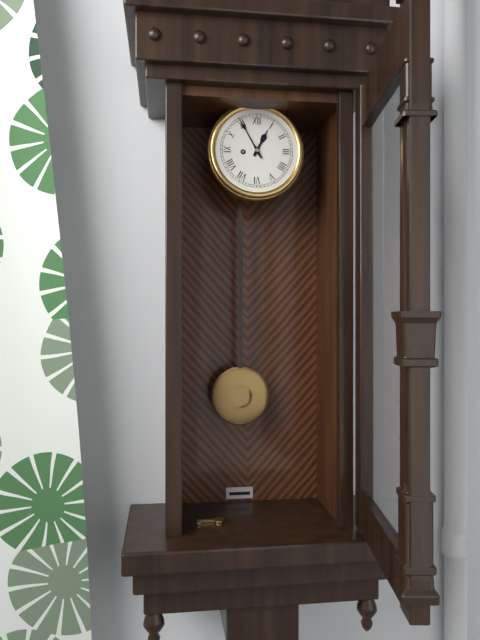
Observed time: 12h55
